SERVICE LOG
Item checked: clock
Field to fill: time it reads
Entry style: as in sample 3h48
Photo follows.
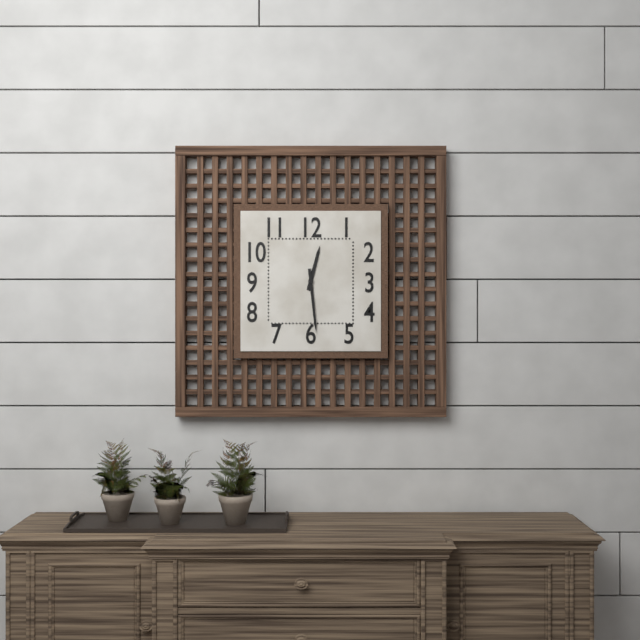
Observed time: 12h29
